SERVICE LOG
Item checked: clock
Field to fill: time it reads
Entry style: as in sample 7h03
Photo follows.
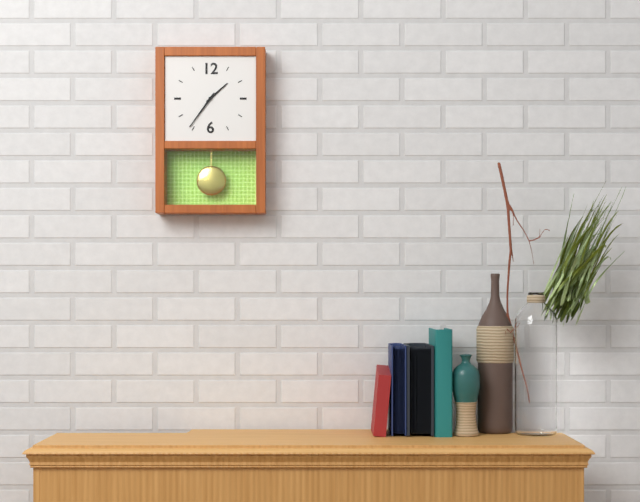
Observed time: 1h36
